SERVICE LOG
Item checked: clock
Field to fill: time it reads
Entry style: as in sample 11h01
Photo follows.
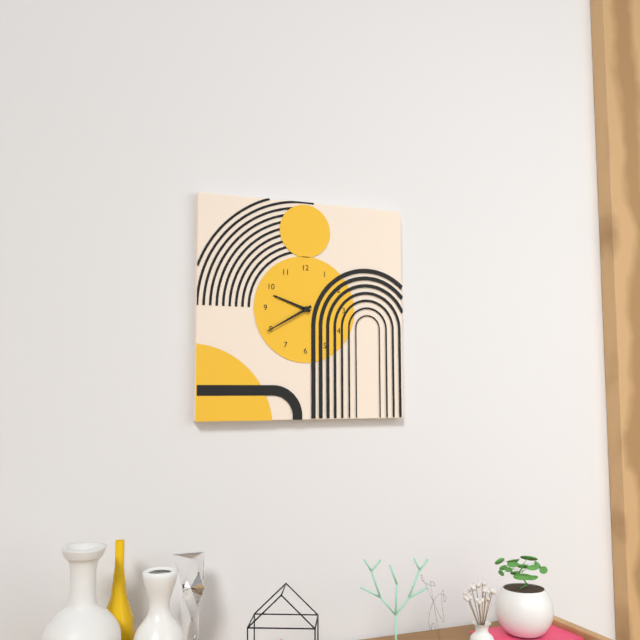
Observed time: 9h40
